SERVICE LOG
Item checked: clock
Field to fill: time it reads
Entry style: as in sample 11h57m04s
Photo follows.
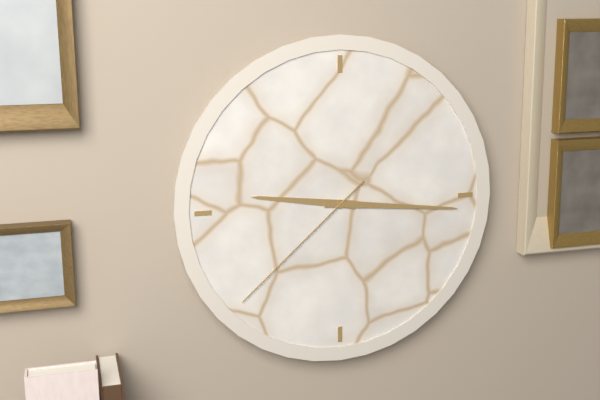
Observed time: 9h16m38s
